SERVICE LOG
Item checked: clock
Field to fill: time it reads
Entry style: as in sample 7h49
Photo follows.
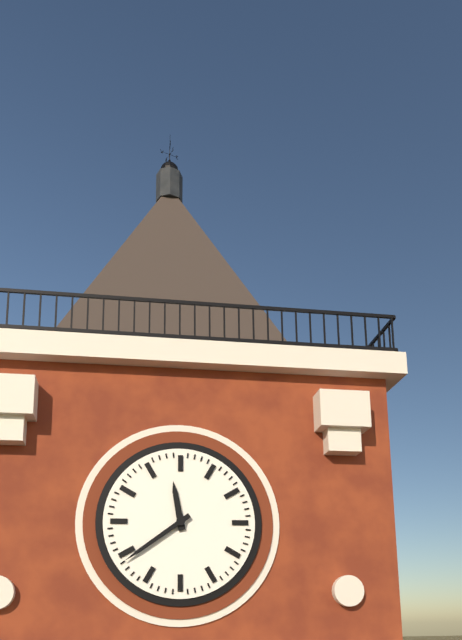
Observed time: 11h39
